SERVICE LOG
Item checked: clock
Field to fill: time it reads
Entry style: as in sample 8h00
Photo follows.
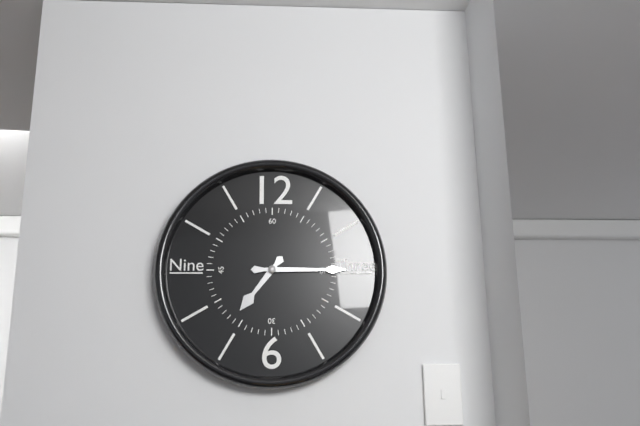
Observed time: 7h15
